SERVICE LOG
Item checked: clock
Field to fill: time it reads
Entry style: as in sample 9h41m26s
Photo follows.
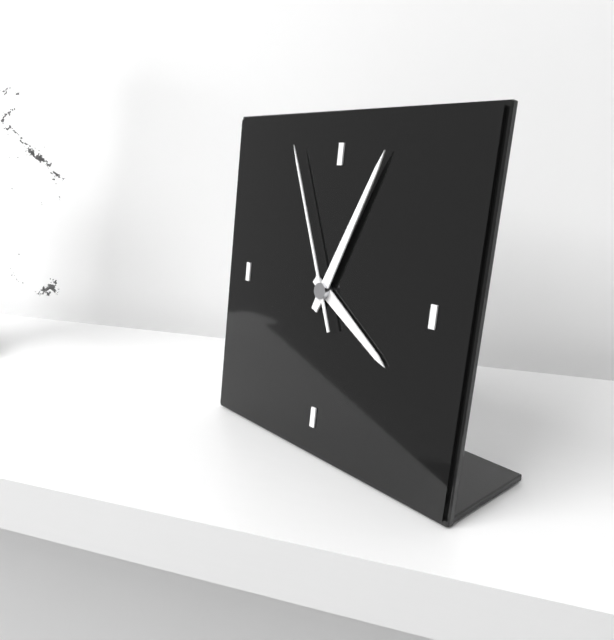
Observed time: 4h04m56s
